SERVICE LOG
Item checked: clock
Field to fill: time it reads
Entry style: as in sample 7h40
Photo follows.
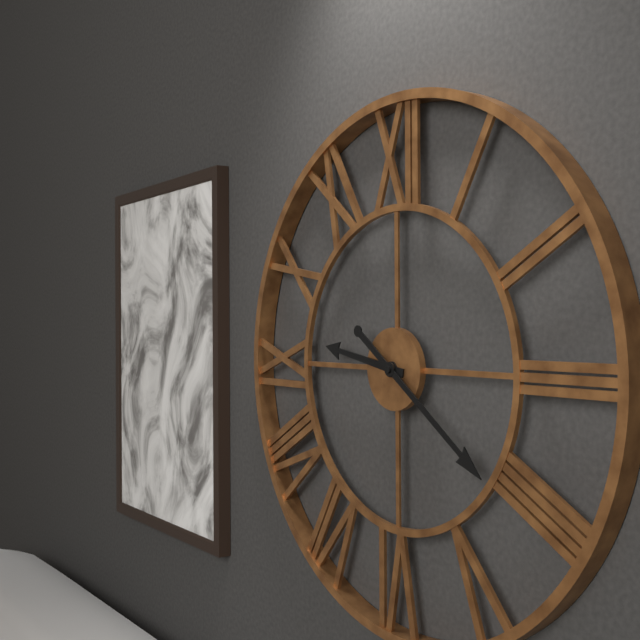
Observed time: 9h21
